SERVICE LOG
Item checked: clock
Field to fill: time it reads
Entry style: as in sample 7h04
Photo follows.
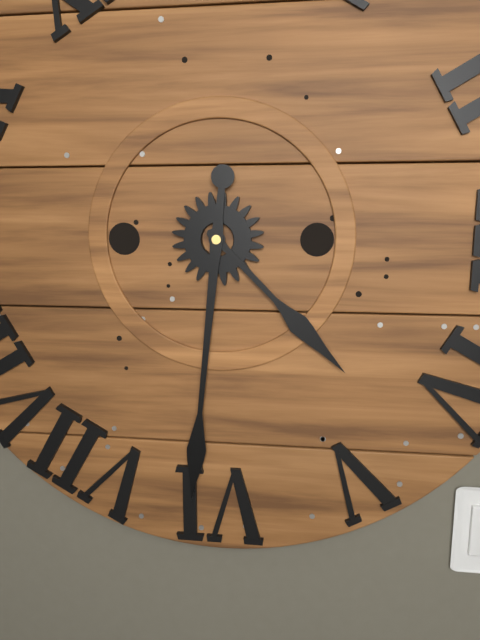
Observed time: 4h31
